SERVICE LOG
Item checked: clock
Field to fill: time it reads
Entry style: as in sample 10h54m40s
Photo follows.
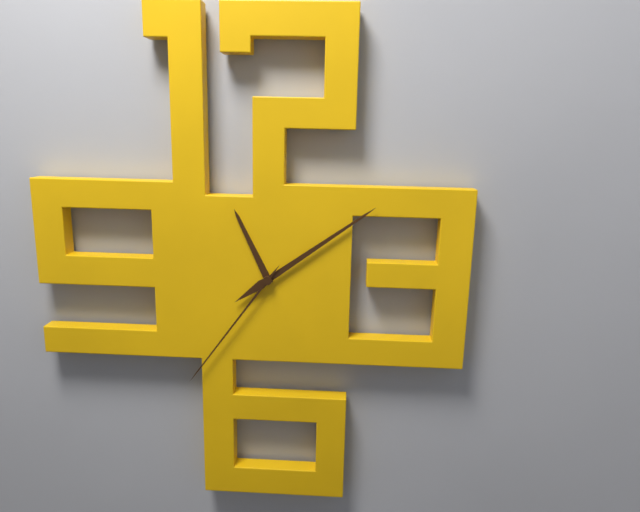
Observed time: 11h09m36s
